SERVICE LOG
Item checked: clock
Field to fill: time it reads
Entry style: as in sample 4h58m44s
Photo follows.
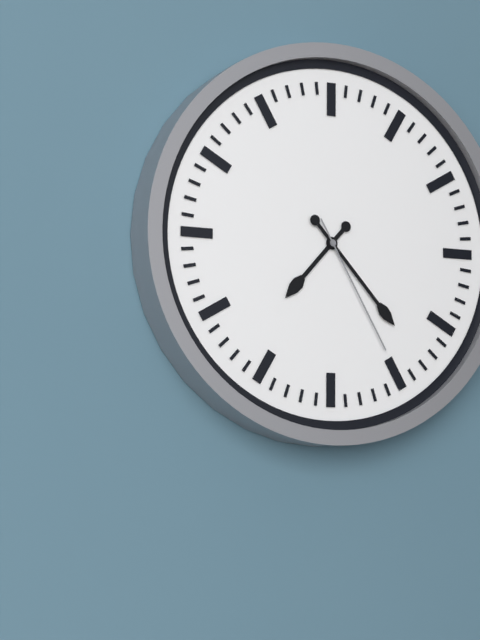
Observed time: 7h23m25s
